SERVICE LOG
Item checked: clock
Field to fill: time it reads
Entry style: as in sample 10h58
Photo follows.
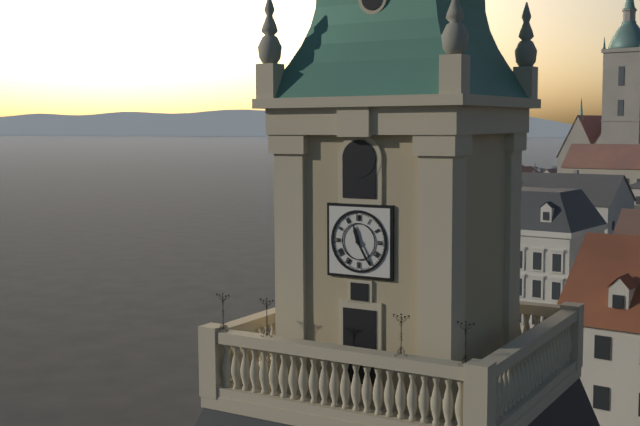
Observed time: 11h25
